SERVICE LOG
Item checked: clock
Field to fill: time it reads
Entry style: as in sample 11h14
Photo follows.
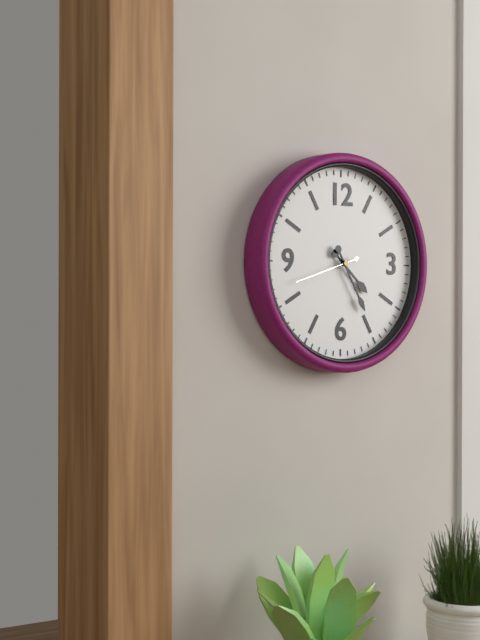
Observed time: 4h25
